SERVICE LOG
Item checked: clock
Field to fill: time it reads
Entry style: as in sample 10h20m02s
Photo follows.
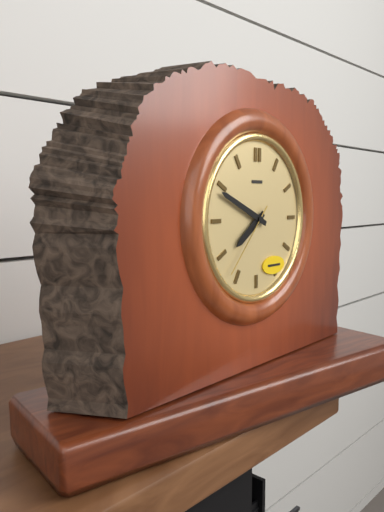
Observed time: 7h49m37s
